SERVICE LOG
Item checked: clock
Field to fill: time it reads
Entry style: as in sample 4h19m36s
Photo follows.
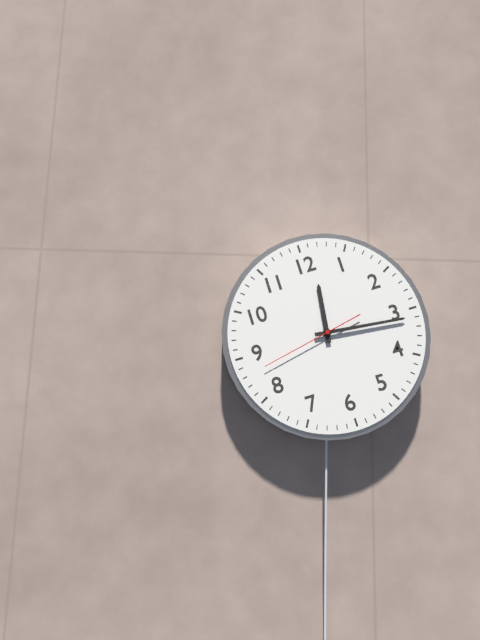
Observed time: 12h16m43s
